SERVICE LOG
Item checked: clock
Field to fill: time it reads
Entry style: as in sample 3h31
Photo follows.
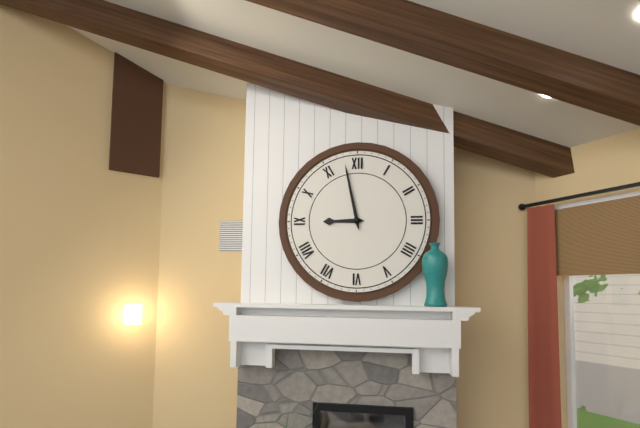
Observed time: 8h58
